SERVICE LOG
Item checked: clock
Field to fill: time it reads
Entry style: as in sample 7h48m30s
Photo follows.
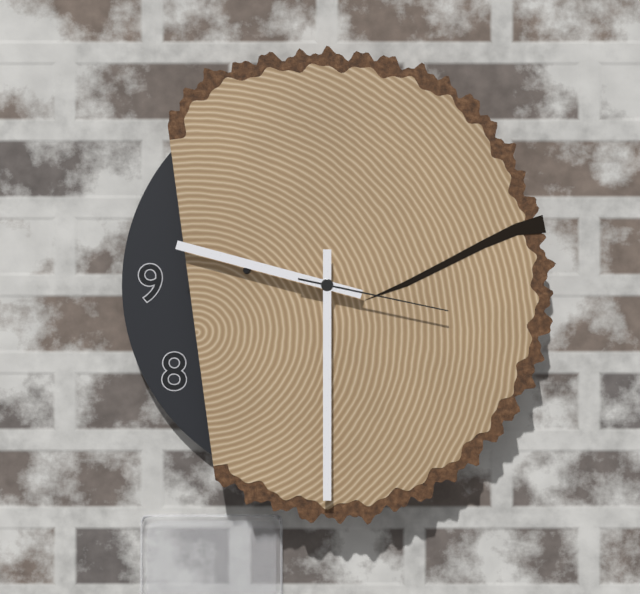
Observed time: 9h30m17s
